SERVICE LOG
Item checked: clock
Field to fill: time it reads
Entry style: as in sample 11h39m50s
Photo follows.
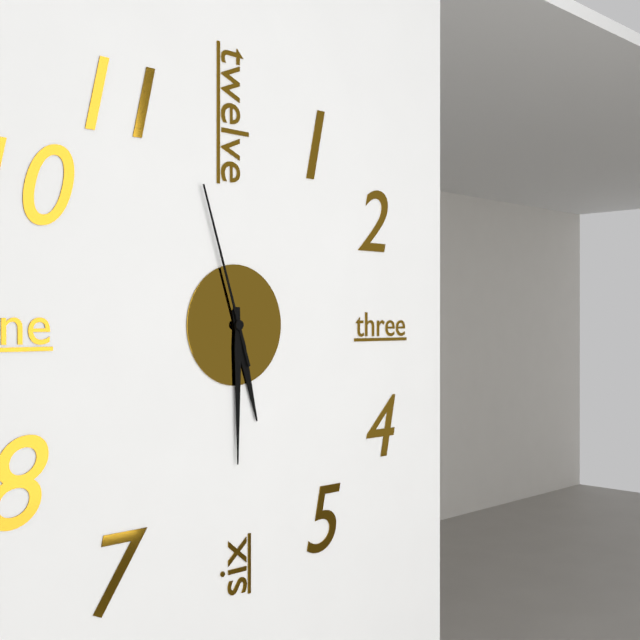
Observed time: 5h30m57s
